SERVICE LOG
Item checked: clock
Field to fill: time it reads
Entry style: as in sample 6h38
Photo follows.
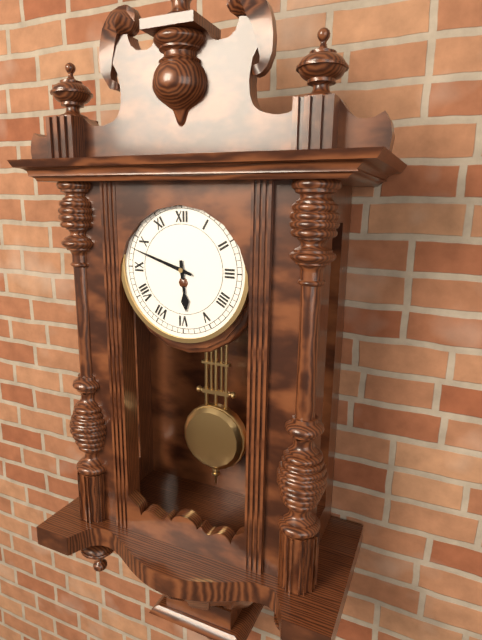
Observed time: 5h48
